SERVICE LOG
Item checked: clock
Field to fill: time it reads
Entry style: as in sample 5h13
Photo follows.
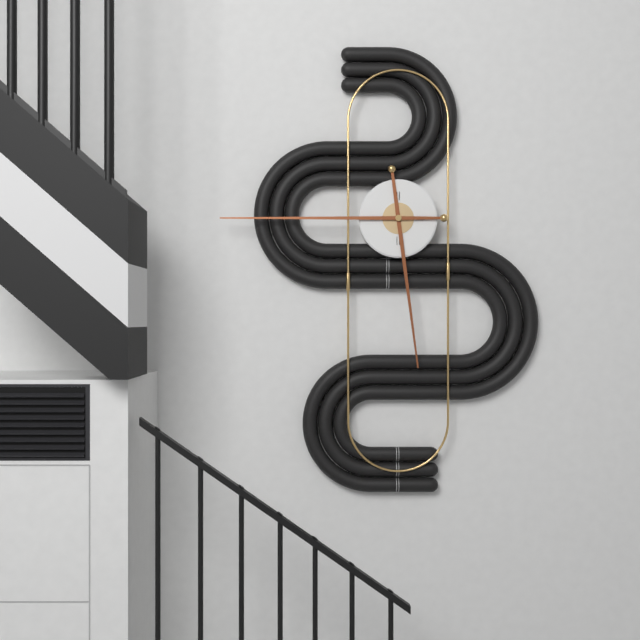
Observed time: 5h45
